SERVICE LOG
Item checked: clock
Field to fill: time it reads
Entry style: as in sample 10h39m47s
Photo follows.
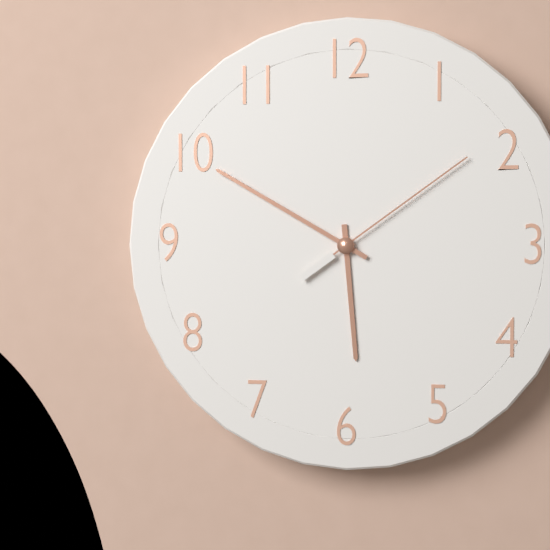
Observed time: 5h50m09s
